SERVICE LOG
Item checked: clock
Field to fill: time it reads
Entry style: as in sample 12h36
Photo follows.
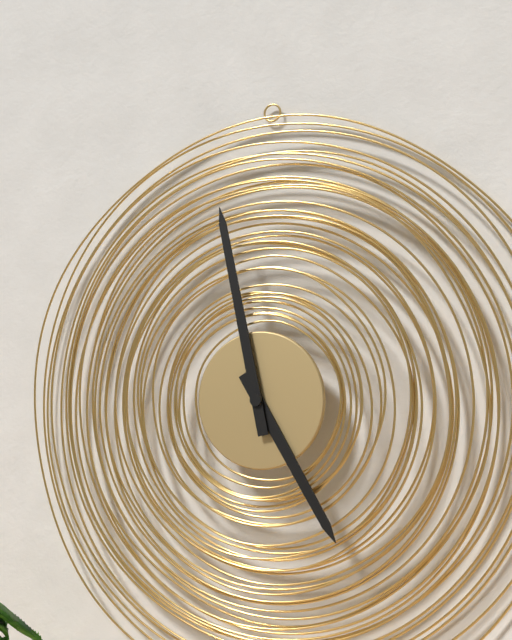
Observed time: 4h58
